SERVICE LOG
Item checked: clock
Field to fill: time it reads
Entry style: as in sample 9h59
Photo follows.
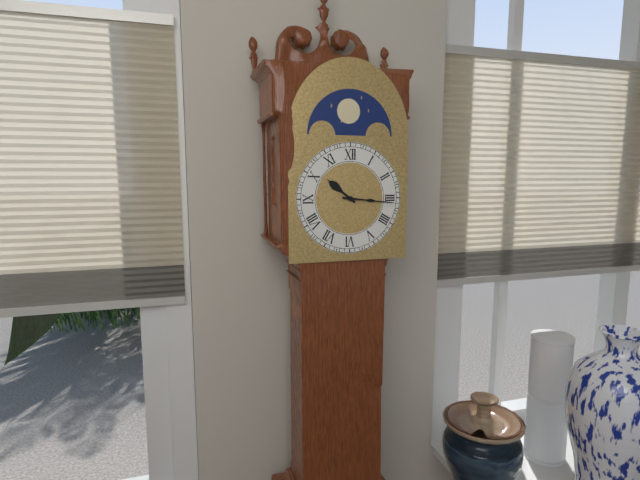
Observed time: 10h16
